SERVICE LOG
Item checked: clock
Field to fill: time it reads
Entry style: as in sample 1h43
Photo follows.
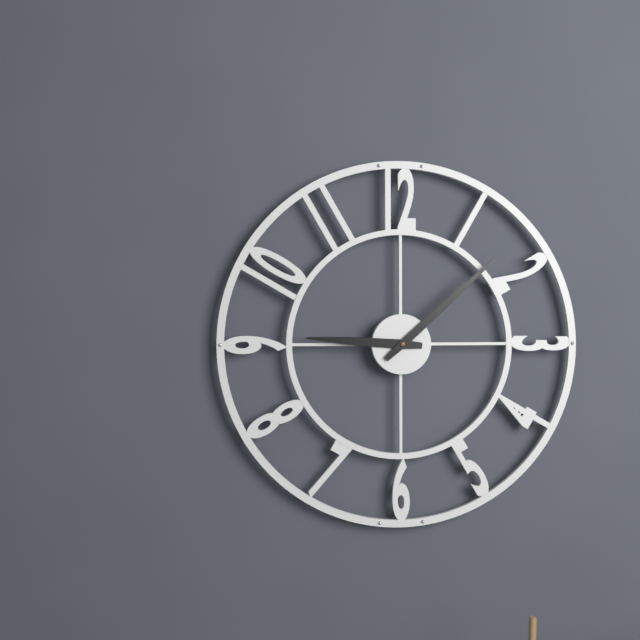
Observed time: 9h08
